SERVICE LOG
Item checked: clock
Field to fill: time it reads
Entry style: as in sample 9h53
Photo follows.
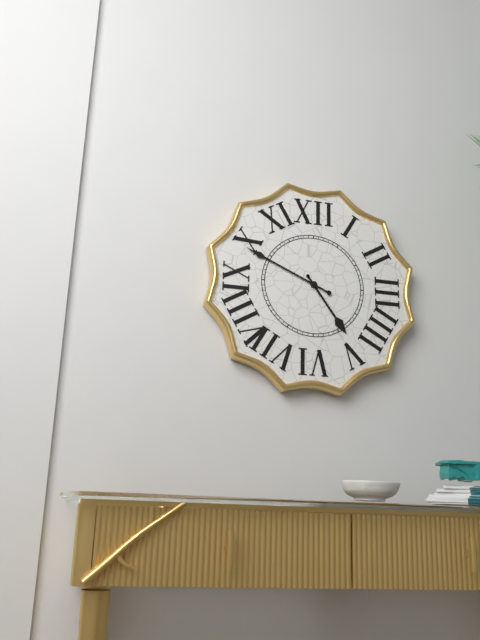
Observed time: 4h49
